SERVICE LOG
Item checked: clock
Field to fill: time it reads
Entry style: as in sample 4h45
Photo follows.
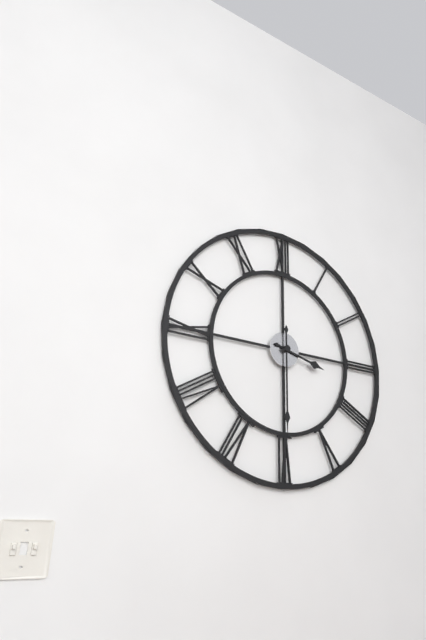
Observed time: 3h30
